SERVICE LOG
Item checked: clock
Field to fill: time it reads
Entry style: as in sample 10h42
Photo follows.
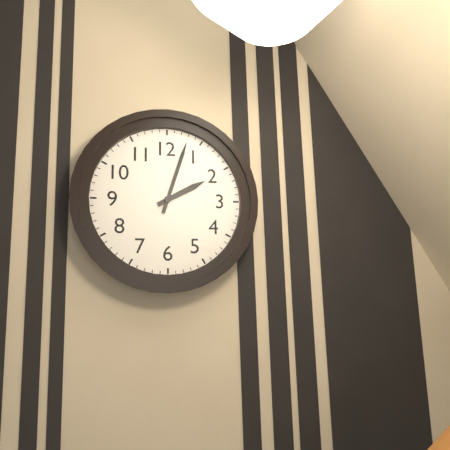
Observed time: 2h03
